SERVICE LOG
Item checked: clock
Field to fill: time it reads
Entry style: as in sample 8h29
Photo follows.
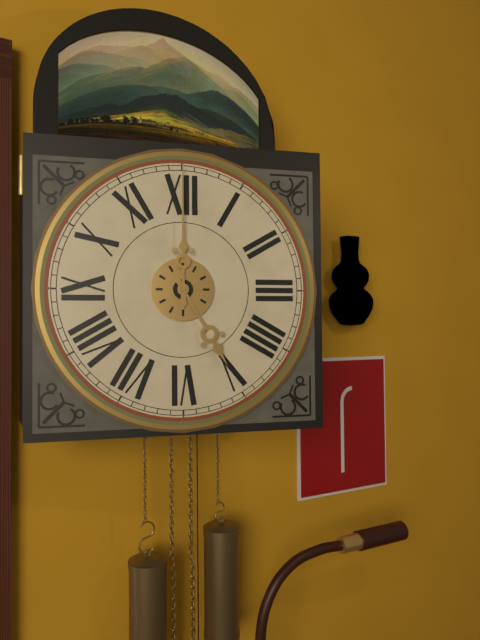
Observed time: 5h00
